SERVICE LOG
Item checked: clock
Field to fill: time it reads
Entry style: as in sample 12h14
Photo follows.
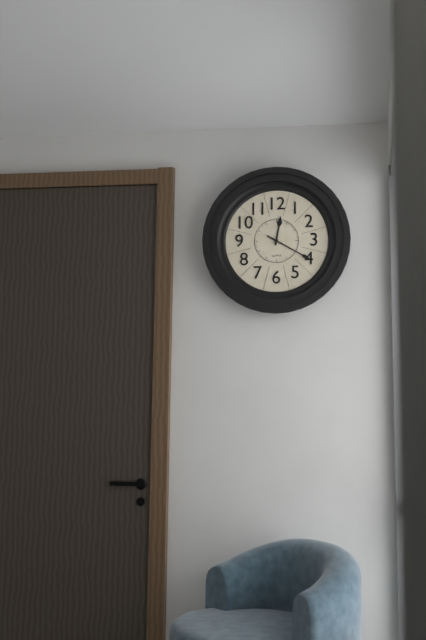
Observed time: 12h20
